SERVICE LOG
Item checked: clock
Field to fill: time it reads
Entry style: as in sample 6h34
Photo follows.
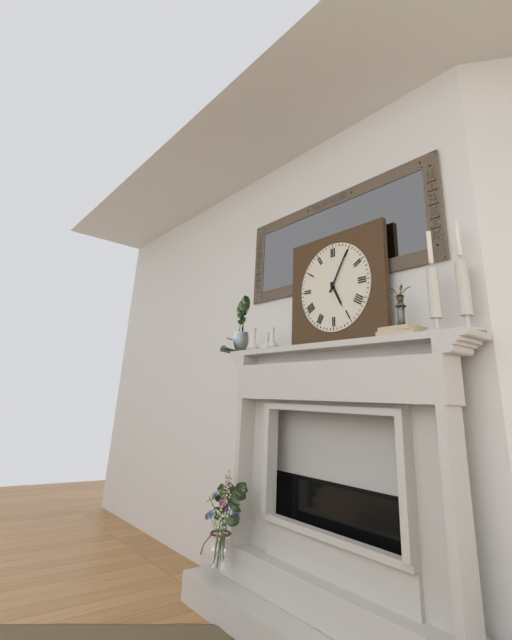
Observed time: 5h05
